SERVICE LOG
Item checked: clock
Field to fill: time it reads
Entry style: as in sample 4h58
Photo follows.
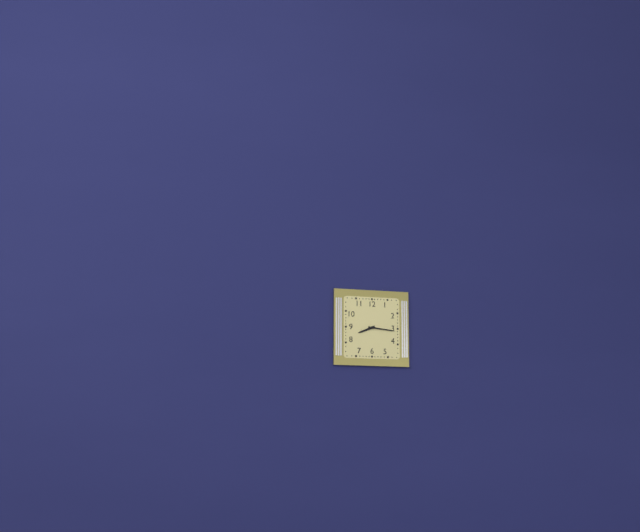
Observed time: 8h16
